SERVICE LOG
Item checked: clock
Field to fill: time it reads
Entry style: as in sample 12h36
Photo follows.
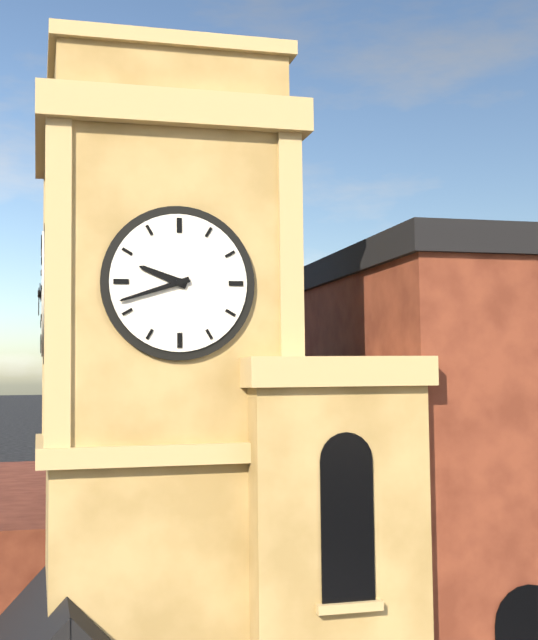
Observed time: 9h42
